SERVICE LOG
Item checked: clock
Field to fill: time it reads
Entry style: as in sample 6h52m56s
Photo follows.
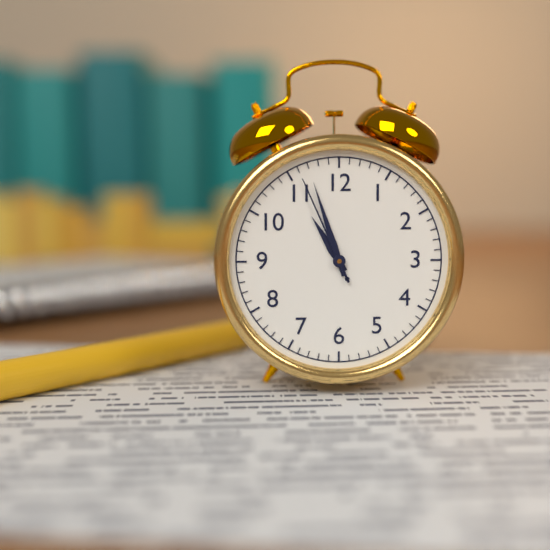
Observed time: 10h57m56s
